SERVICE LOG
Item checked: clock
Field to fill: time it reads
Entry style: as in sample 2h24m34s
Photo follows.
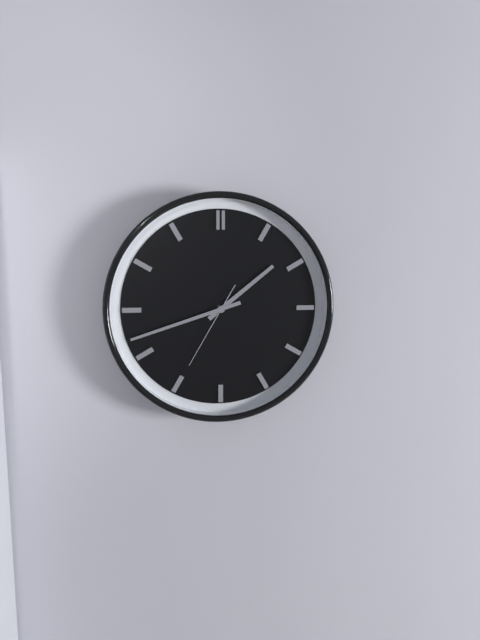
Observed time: 1h42m35s
